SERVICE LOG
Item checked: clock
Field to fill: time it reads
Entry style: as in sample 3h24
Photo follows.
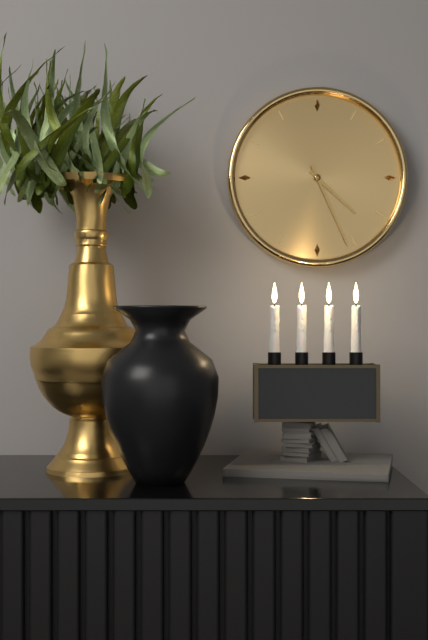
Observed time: 4h26
